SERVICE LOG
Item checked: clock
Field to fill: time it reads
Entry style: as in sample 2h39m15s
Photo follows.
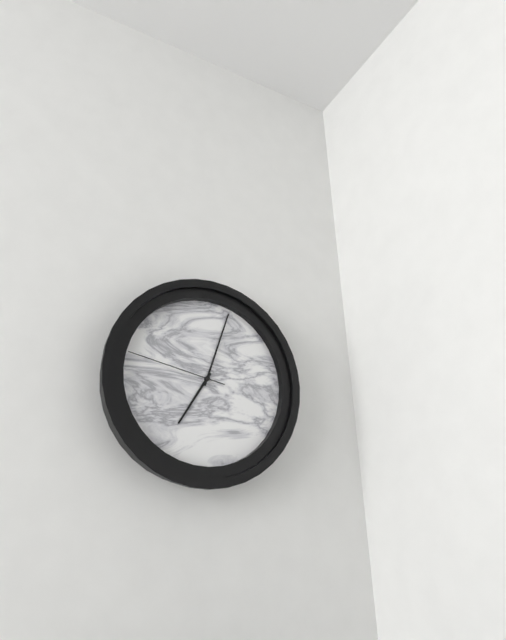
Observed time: 7h03m47s
